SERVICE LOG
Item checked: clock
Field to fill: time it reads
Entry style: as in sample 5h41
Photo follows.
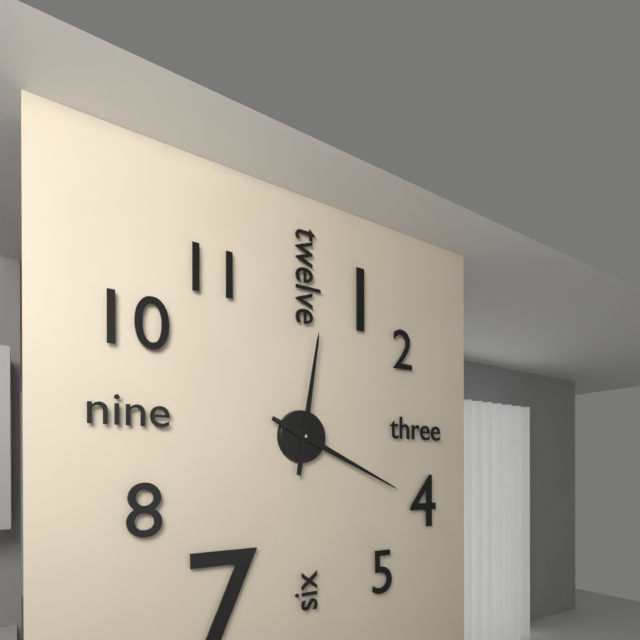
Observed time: 12h19
